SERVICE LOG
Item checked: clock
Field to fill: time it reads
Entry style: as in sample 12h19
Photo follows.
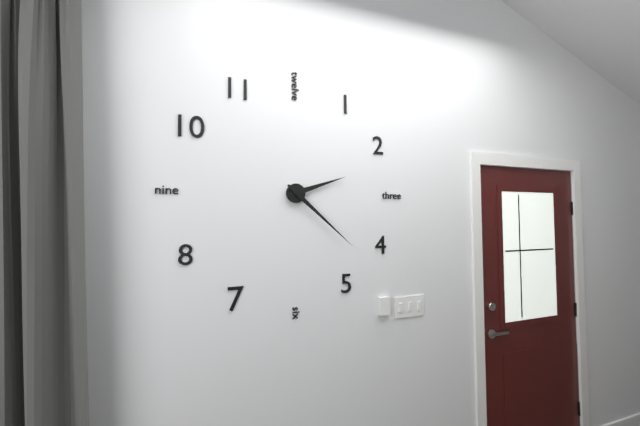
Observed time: 2h22
